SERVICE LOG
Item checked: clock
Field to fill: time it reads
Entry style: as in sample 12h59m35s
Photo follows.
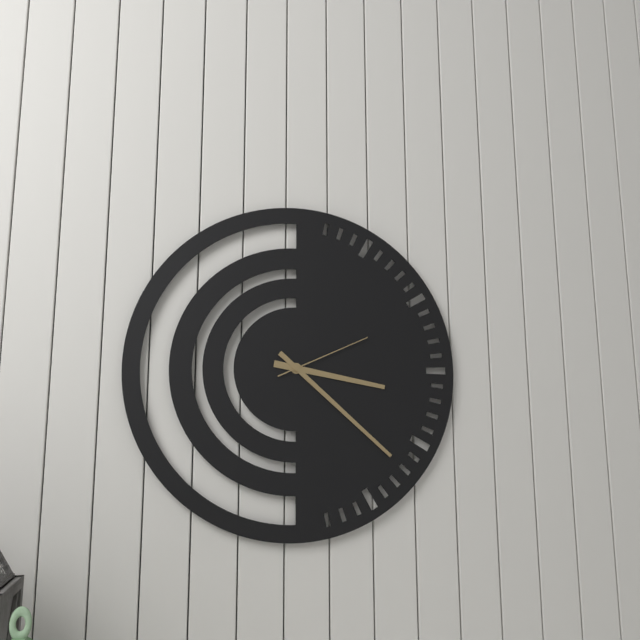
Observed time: 3h22m11s
